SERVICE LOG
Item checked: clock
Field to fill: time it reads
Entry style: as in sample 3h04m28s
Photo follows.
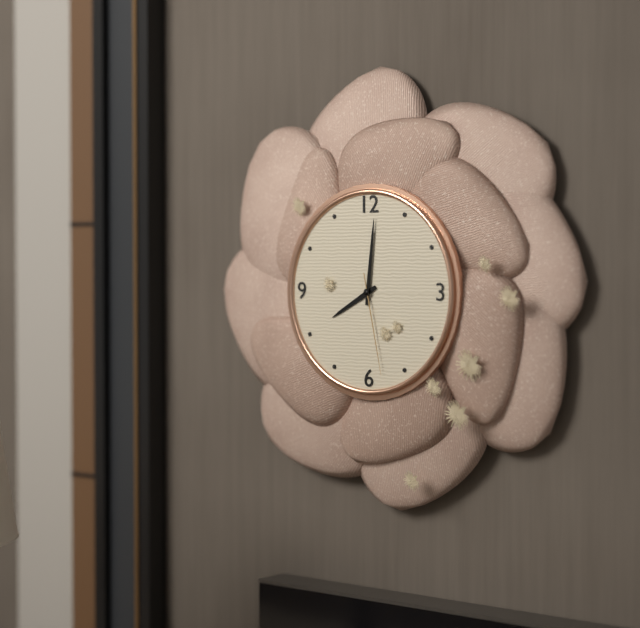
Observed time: 8h01m28s
